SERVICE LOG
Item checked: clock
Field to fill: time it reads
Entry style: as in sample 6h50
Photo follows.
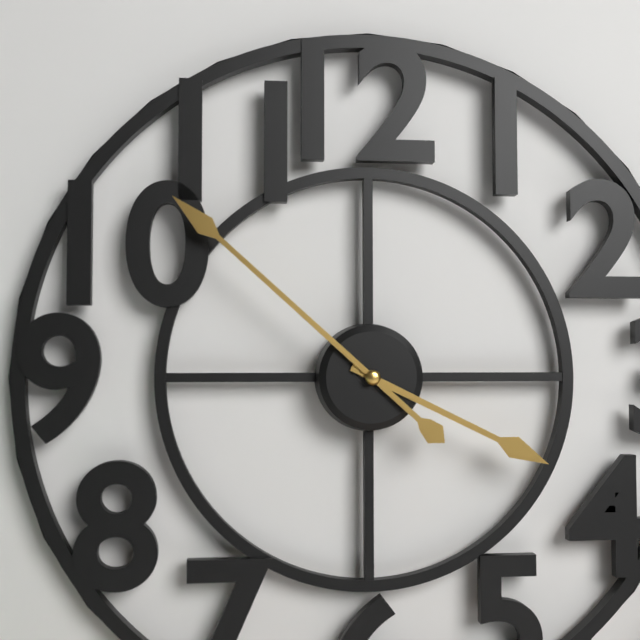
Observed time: 3h52
